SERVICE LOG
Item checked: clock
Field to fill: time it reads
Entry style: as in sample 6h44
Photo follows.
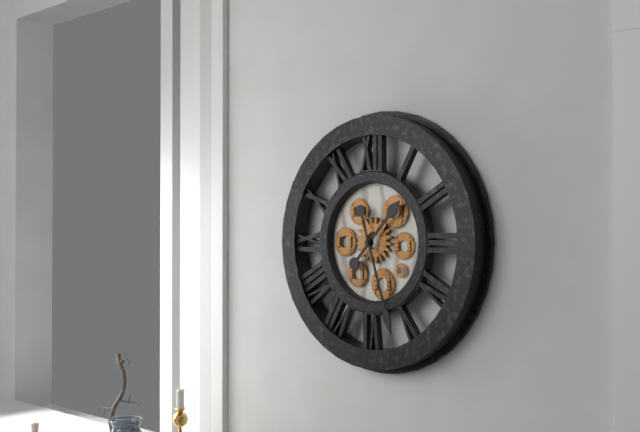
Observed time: 1h27
